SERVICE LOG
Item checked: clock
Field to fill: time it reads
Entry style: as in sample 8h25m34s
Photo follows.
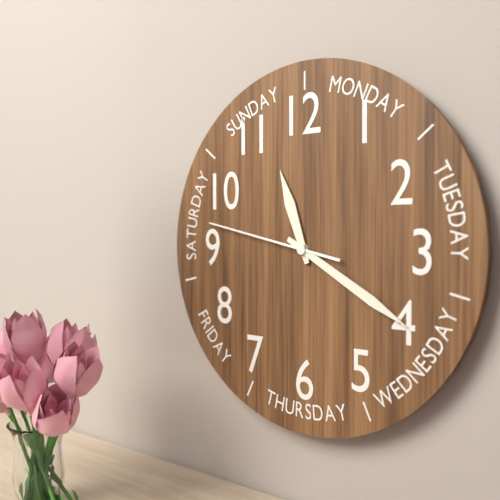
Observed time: 11h20m47s
